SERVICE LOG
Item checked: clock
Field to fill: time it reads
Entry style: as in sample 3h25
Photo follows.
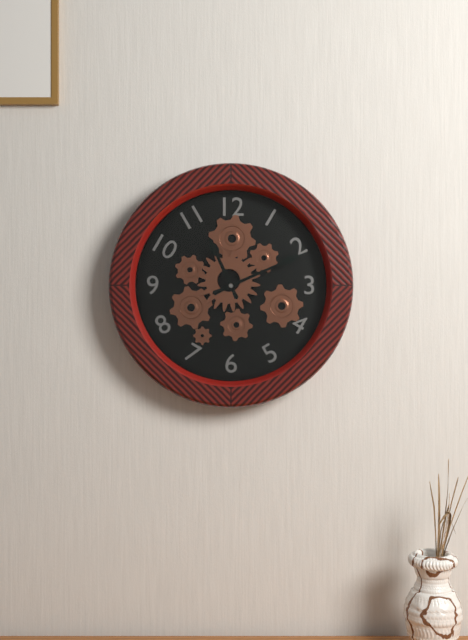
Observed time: 11h11
